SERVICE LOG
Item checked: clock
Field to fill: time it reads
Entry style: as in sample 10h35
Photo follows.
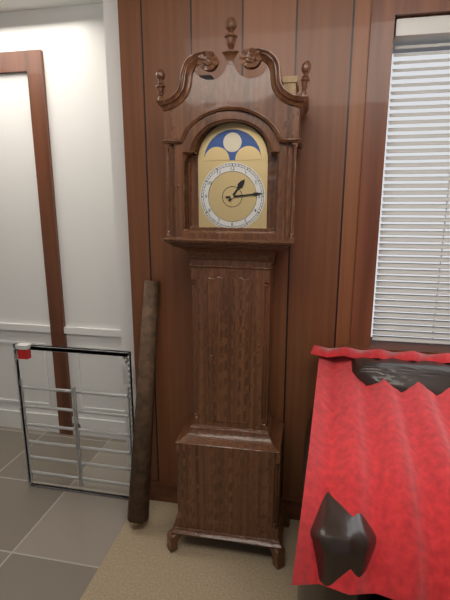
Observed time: 1h14
